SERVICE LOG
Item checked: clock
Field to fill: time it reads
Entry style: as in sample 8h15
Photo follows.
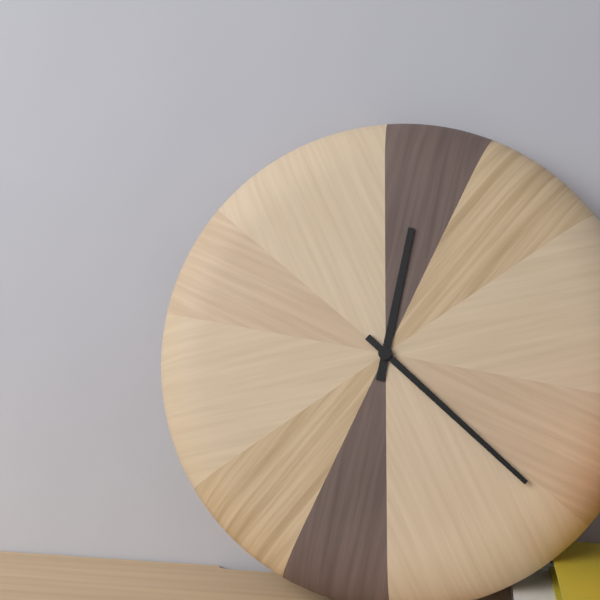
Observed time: 12h22
